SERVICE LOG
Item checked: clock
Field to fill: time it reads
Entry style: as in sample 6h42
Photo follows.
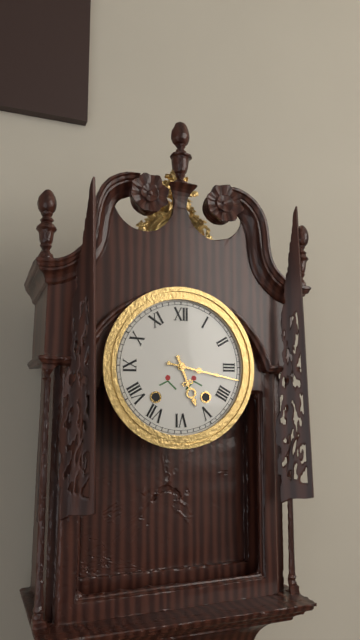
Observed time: 5h17
